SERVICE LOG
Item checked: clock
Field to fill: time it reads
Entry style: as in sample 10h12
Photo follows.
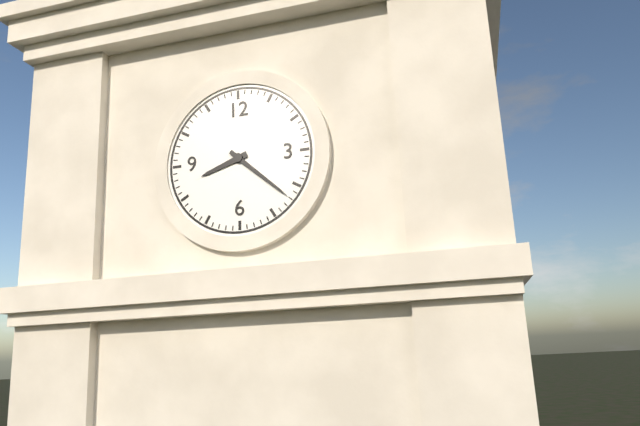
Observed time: 8h22
